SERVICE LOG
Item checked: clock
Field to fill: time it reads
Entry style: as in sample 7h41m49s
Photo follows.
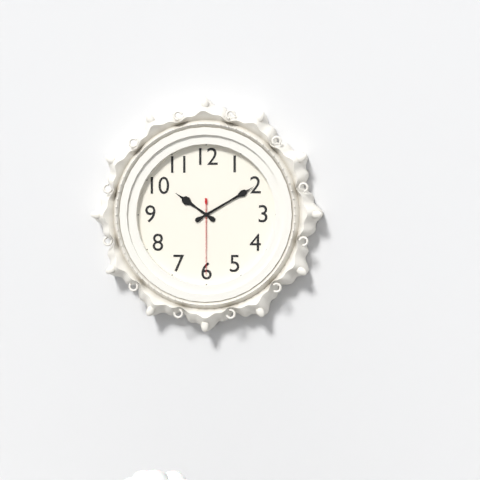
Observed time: 10h10m30s
